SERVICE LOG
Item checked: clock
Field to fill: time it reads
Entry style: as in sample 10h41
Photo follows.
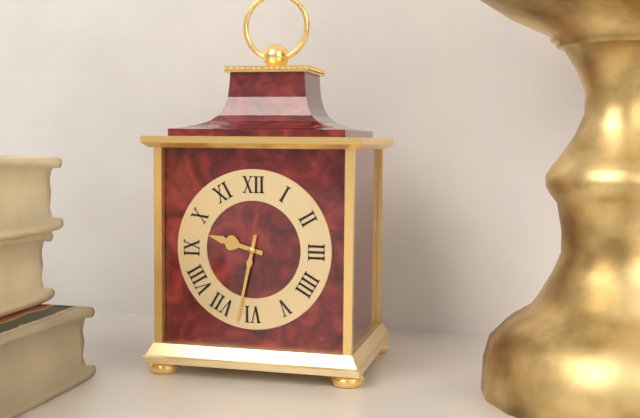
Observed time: 9h32
